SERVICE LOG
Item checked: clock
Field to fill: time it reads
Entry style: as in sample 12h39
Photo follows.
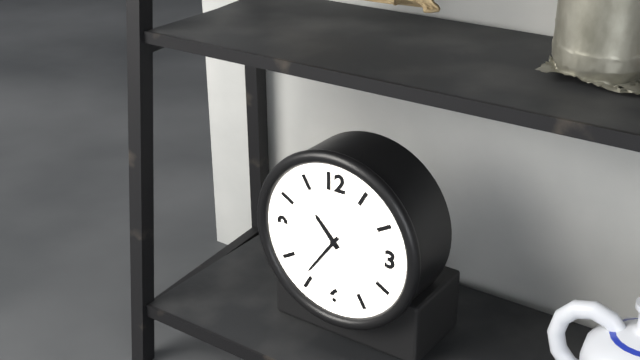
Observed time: 10h36
